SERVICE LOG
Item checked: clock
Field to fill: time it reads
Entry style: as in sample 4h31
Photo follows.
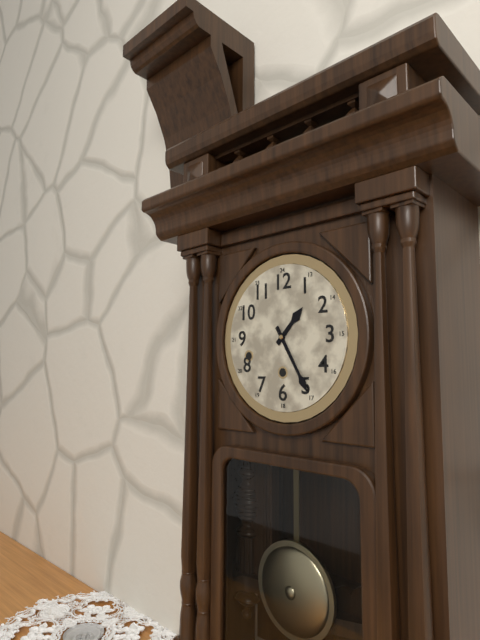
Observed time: 1h25
